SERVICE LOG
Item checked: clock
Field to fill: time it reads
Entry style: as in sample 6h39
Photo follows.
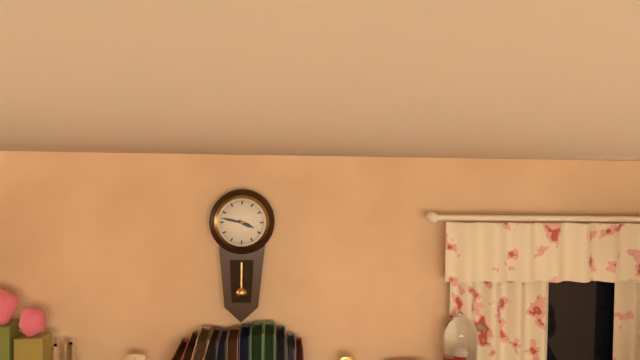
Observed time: 3h47
